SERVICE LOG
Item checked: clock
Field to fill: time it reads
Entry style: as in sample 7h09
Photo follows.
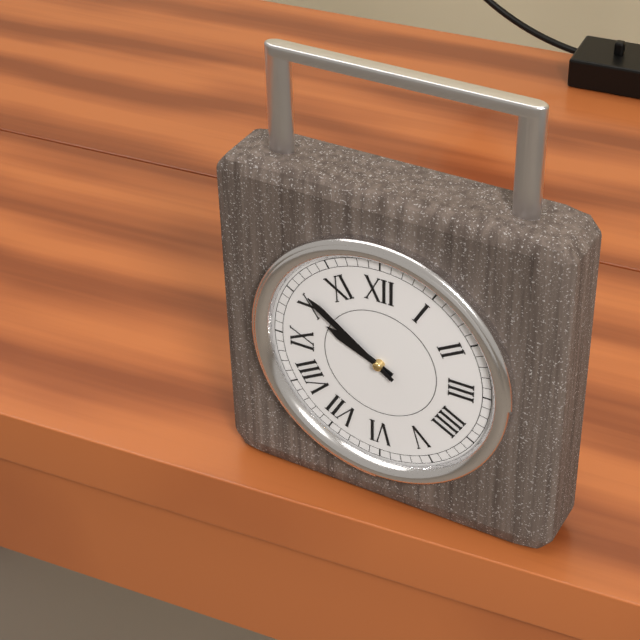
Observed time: 9h51
